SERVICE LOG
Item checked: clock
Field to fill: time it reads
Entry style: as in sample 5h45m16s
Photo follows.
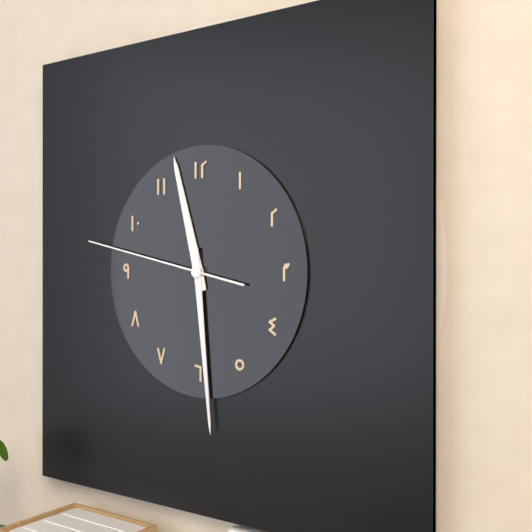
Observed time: 11h29m47s
